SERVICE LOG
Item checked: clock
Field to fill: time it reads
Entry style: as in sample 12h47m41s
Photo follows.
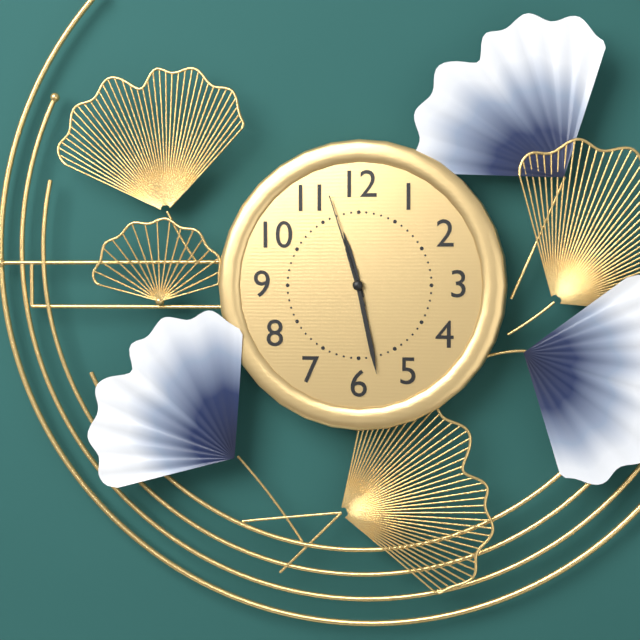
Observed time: 11h28m57s
